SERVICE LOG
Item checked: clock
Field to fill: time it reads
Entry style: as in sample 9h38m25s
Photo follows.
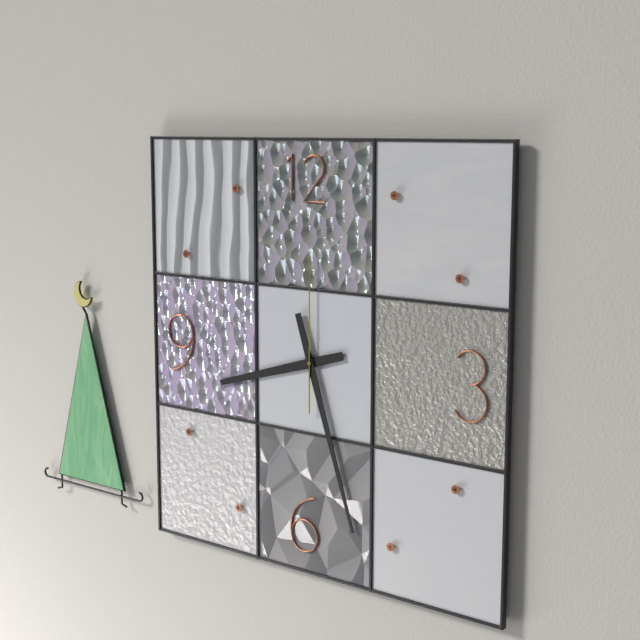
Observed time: 8h27m00s
